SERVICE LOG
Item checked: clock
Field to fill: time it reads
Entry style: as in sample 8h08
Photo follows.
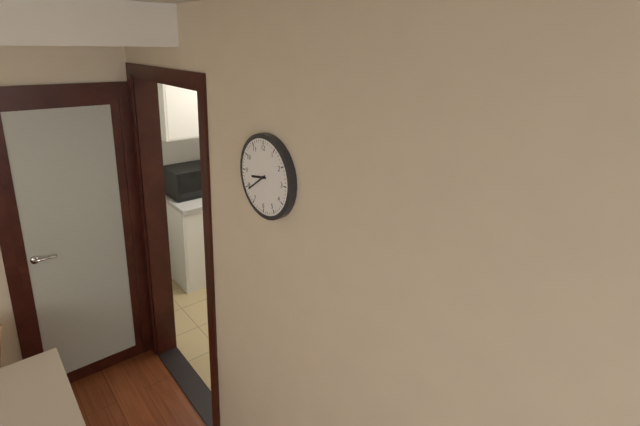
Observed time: 8h39
